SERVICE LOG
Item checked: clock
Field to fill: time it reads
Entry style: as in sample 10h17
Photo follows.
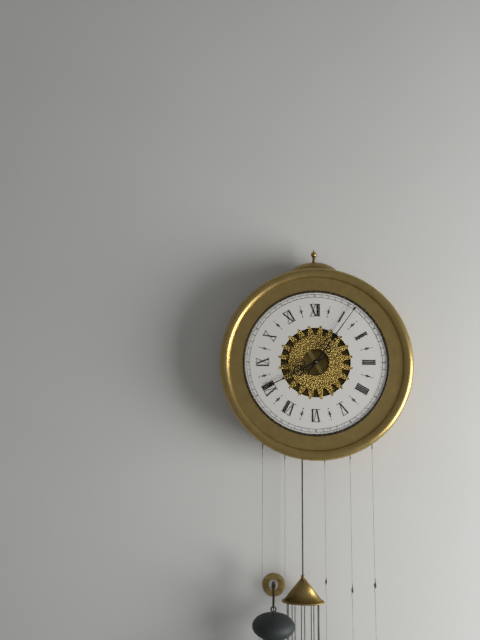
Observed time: 8h06
